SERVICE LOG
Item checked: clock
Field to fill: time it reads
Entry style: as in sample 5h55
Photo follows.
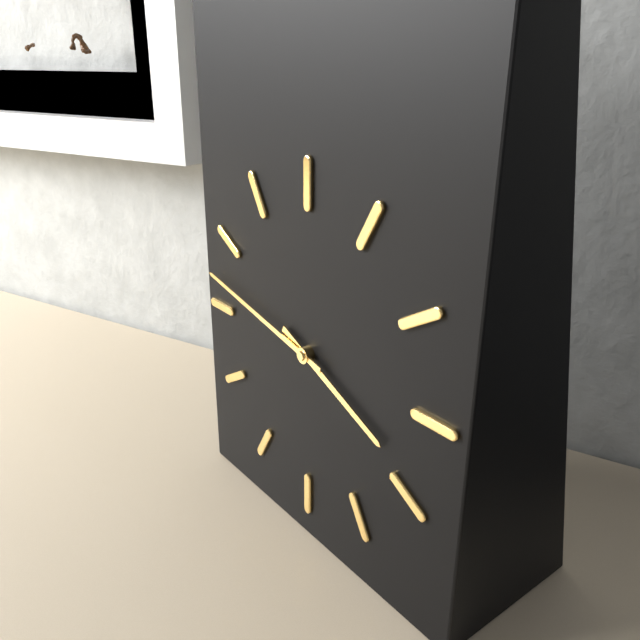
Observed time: 3h47
